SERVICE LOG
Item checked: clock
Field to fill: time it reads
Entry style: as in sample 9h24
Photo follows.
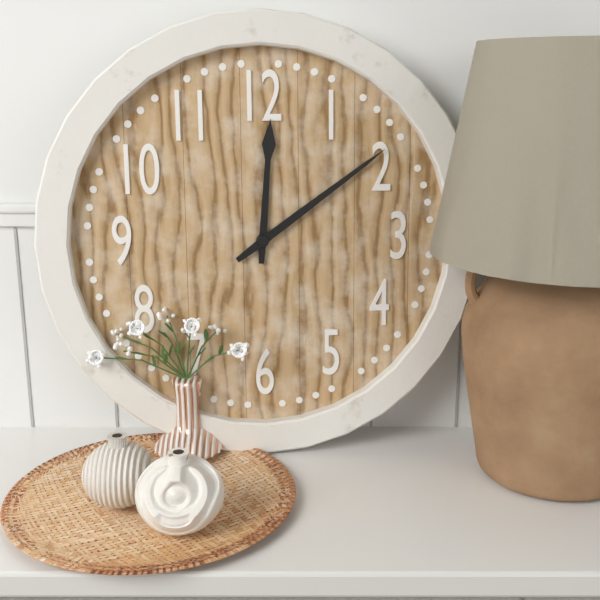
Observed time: 12h09
